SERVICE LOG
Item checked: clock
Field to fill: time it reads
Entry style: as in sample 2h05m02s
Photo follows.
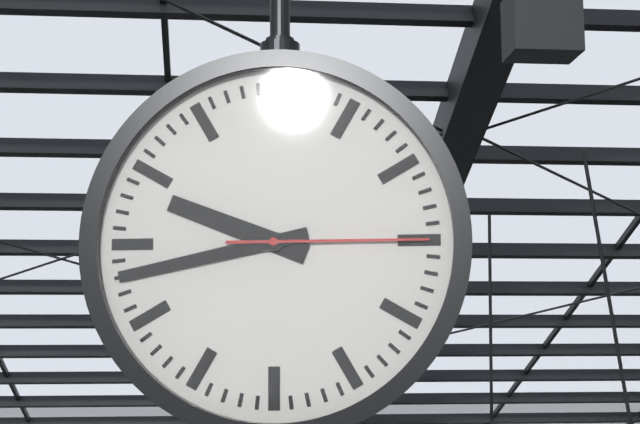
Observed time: 9h43m15s
